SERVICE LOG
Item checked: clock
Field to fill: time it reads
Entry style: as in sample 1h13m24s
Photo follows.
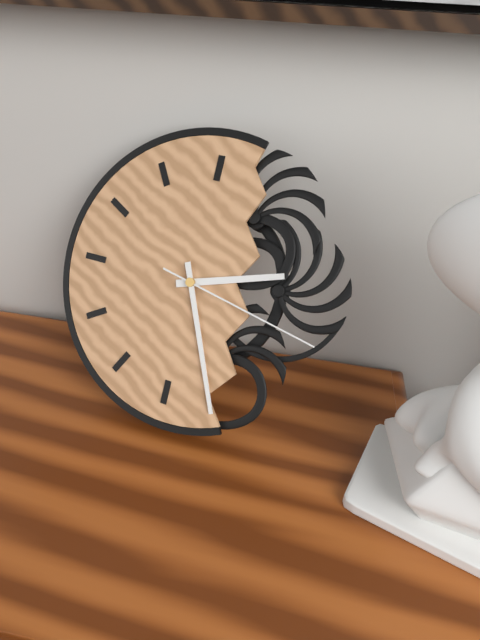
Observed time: 2h26m17s
